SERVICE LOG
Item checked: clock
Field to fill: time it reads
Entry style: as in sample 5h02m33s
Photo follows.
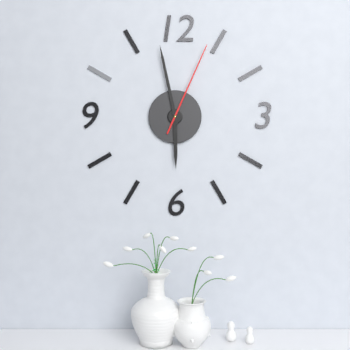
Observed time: 5h58m04s
